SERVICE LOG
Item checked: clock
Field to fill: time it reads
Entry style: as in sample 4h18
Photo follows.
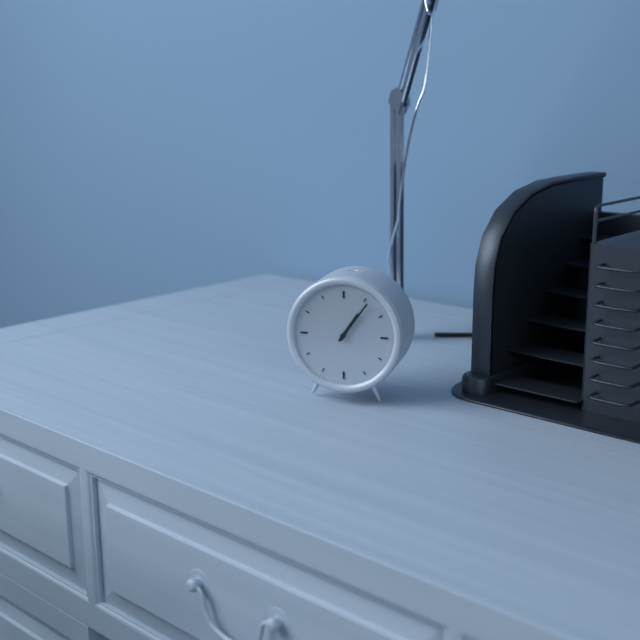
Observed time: 1h06
